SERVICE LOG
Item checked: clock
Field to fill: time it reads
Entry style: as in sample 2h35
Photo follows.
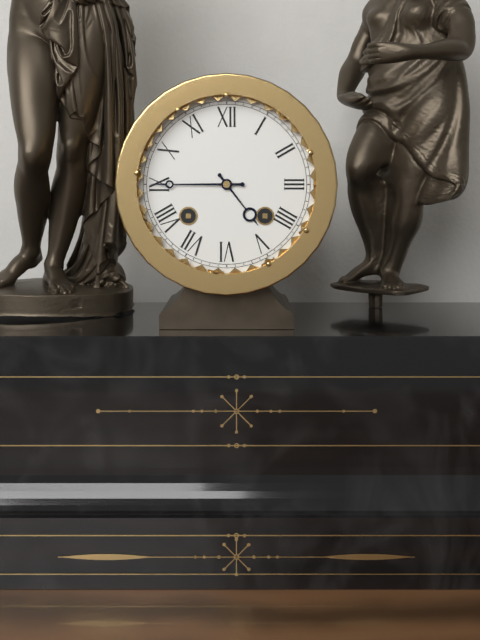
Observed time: 4h45
